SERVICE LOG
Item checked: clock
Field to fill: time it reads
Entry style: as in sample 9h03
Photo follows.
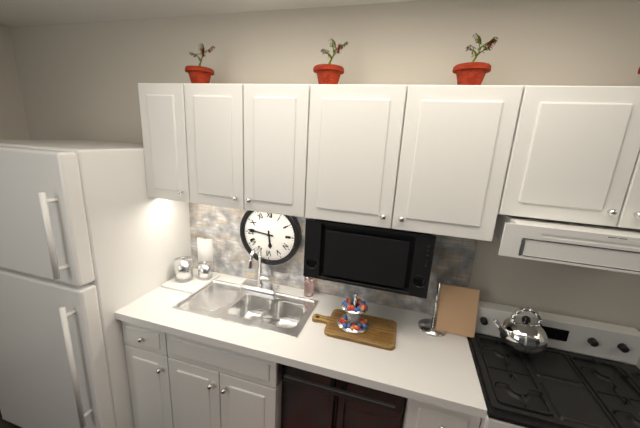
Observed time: 5h46
